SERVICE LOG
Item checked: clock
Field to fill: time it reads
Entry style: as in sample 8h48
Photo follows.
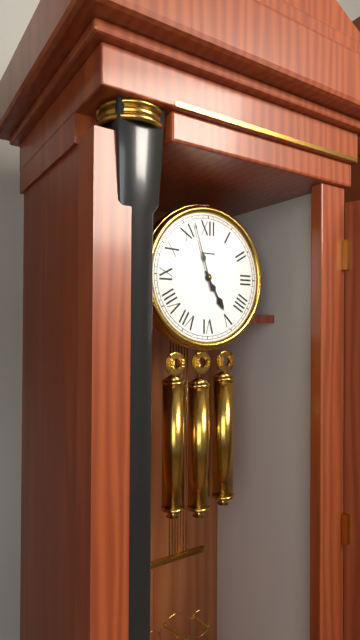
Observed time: 4h57
